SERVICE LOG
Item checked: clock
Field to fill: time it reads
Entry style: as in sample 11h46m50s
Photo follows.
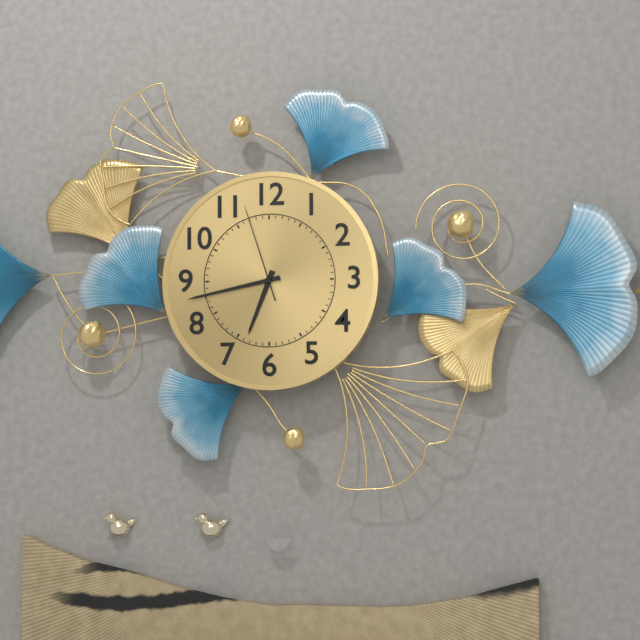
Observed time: 6h43m57s
